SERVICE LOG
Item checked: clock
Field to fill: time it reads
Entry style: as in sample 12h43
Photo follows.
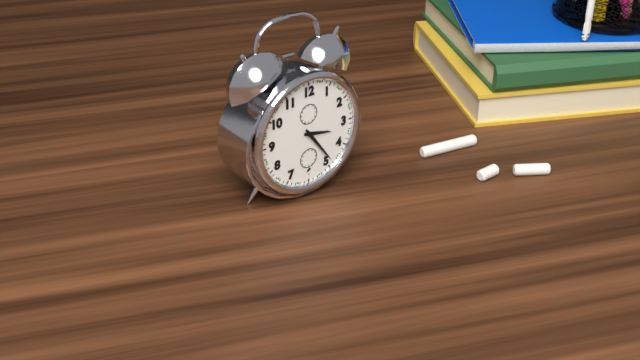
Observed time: 3h24
